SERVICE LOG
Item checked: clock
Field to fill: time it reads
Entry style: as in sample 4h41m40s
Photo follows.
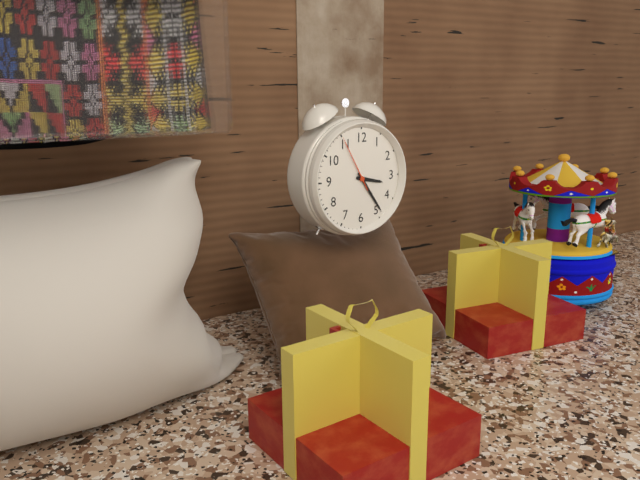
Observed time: 3h24m55s
